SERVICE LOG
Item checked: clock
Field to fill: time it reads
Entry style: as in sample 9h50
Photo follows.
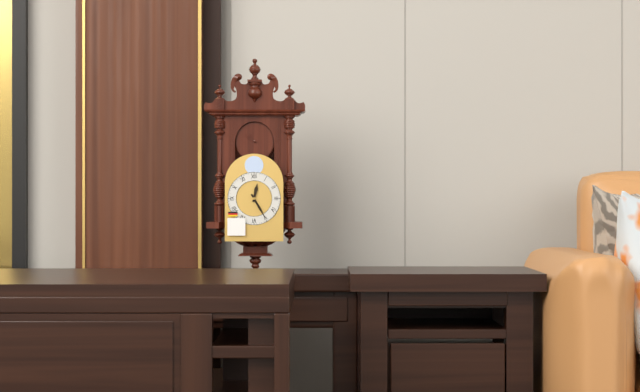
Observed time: 12h25
